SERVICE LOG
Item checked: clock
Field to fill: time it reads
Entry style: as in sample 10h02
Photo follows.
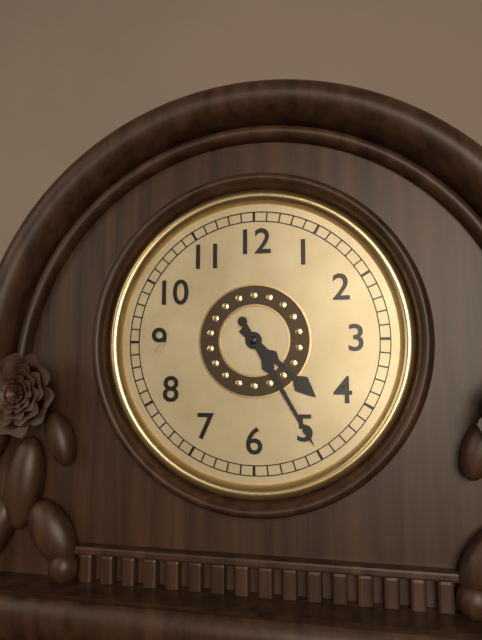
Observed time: 4h25
